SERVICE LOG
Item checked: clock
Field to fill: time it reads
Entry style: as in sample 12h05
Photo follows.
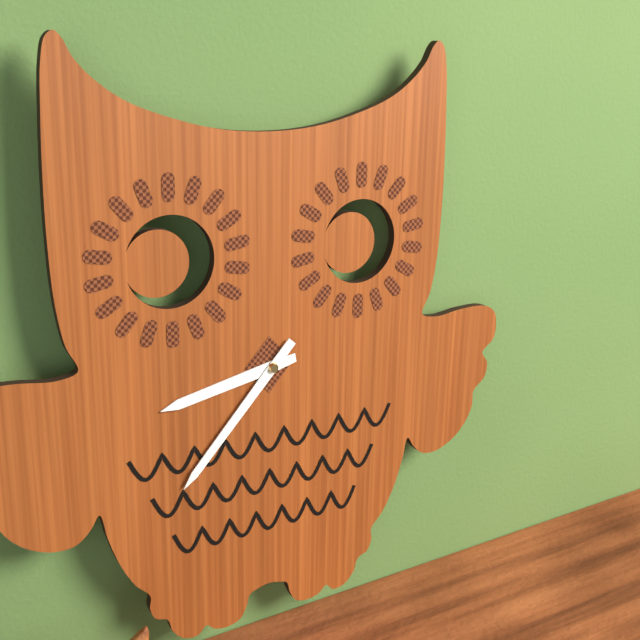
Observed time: 8h37
